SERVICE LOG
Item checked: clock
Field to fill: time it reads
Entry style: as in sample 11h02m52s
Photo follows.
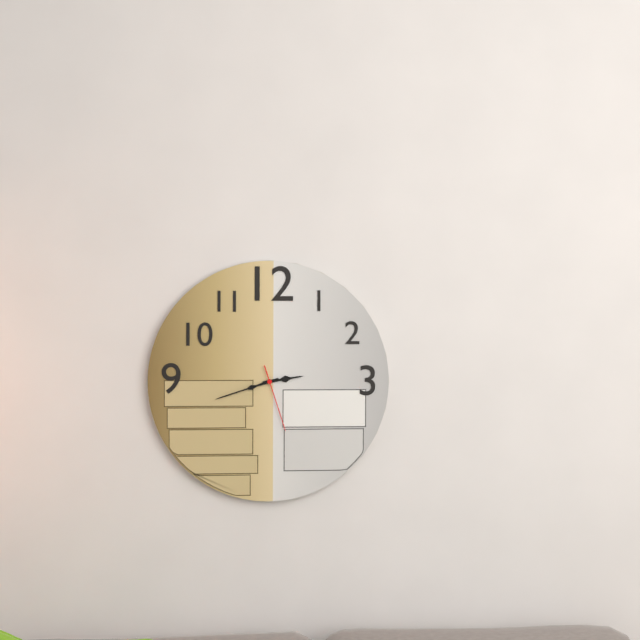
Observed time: 2h42m27s
